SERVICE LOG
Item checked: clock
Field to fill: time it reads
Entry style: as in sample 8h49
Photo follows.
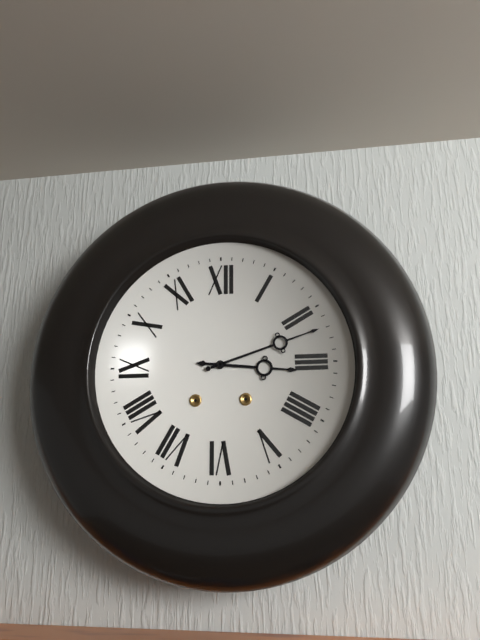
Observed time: 3h12
